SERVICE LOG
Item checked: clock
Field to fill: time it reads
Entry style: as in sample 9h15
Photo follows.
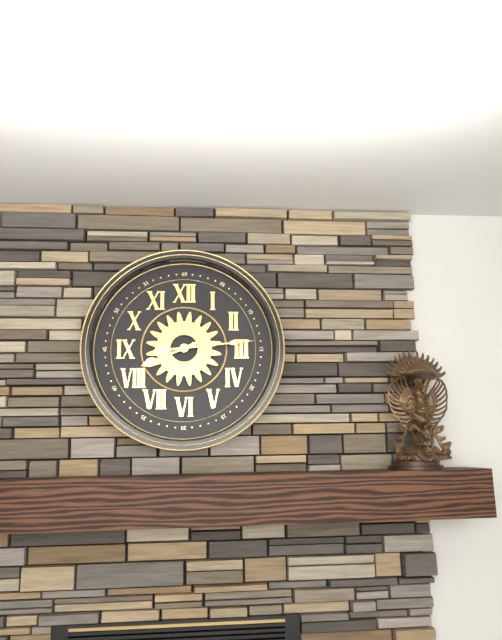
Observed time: 8h14
